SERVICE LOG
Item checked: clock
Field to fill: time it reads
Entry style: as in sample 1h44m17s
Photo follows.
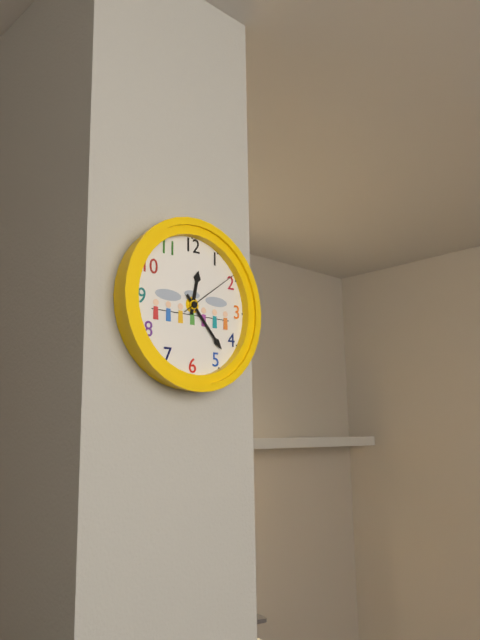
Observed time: 12h23m09s
